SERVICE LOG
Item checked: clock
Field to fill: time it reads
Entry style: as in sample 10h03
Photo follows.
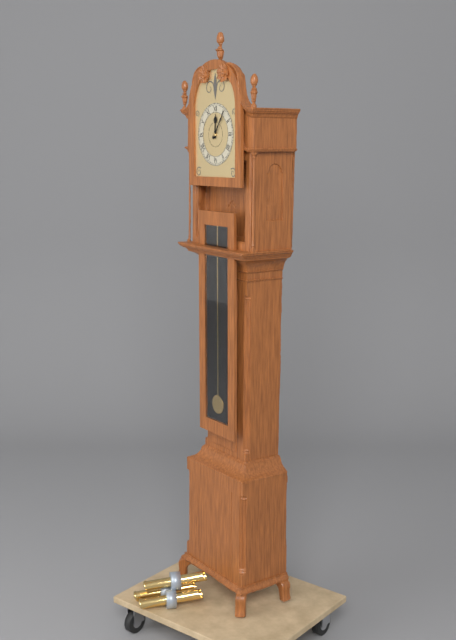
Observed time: 12h06
